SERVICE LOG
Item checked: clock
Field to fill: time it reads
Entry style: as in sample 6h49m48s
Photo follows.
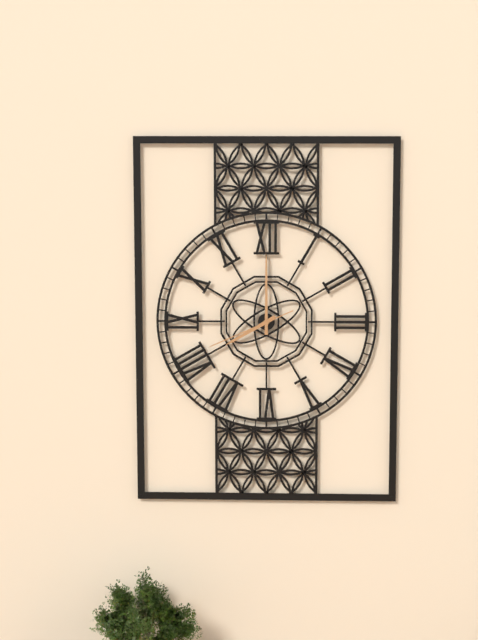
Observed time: 8h00m41s
